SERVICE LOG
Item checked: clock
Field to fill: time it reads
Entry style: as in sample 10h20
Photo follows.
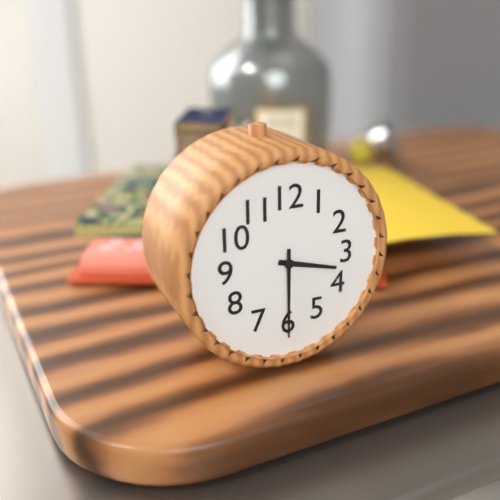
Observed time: 3h30
